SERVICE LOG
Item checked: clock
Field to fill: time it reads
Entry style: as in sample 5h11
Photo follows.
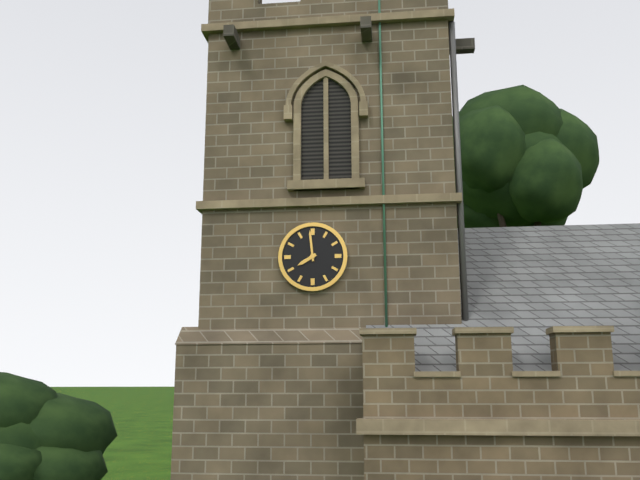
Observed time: 7h59
